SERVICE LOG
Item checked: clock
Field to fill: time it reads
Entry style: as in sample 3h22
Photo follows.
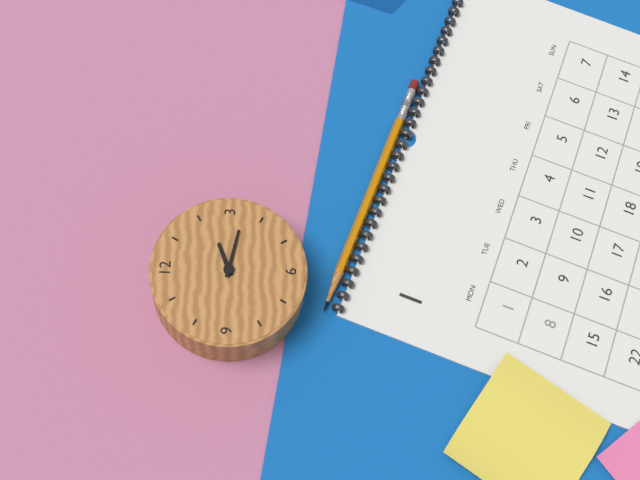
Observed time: 2h17
